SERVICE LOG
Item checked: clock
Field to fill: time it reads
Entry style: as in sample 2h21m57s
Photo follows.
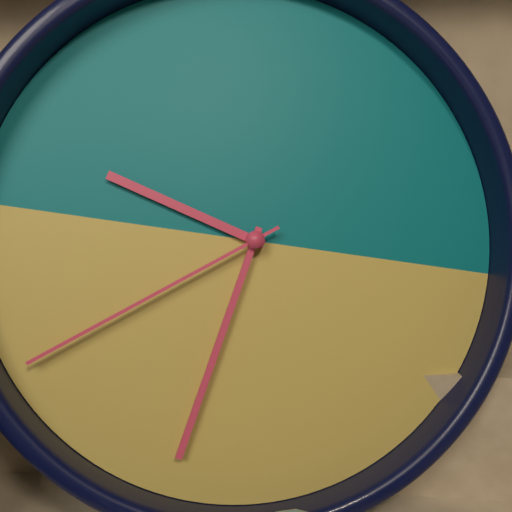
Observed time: 9h32m39s
